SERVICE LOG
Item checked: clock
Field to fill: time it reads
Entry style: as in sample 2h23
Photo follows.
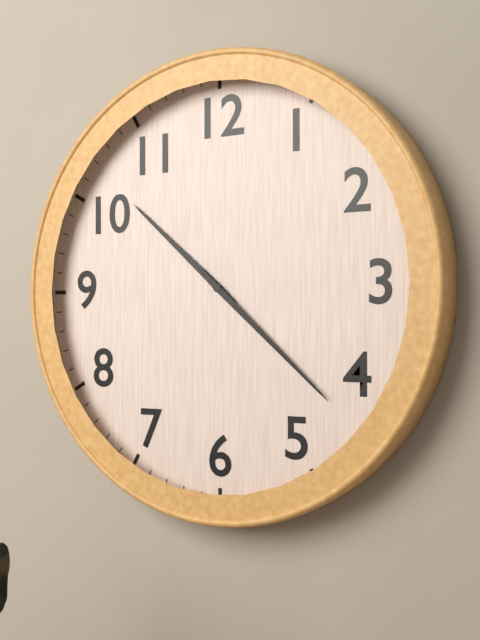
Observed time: 10h22
